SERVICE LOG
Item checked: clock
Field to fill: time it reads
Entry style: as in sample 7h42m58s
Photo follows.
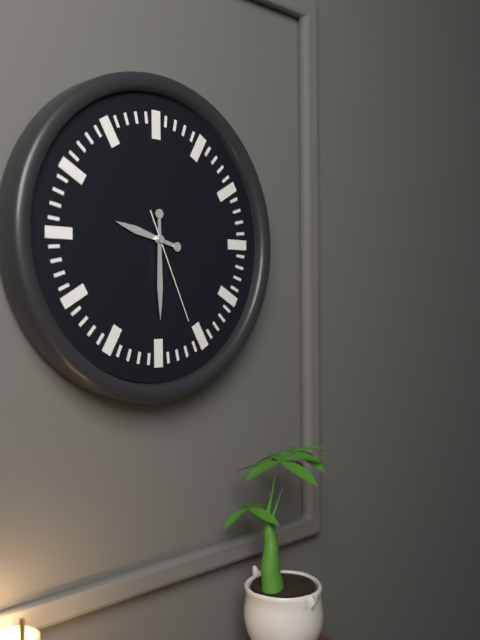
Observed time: 9h30m26s
